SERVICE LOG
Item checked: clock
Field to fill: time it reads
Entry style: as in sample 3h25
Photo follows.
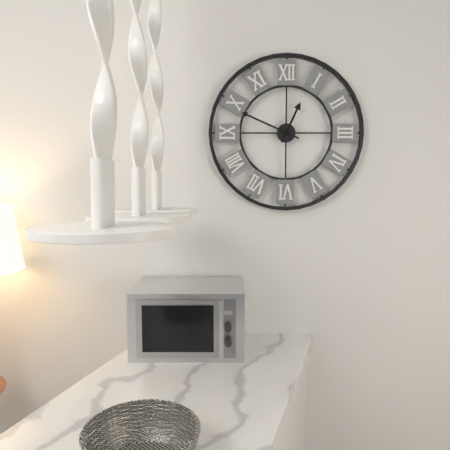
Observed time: 12h49
